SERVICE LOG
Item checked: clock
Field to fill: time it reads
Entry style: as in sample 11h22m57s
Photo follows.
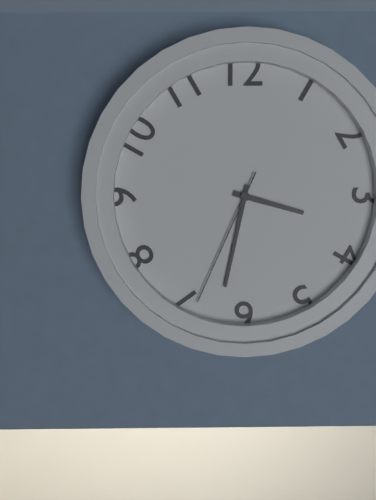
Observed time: 3h32m34s
